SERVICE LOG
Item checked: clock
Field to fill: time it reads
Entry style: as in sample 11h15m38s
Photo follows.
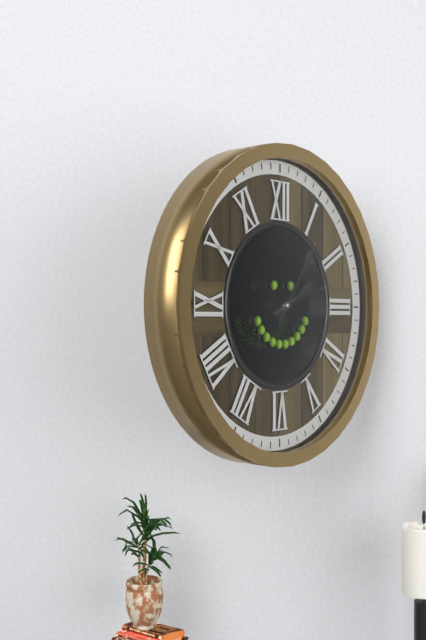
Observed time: 2h06m12s
